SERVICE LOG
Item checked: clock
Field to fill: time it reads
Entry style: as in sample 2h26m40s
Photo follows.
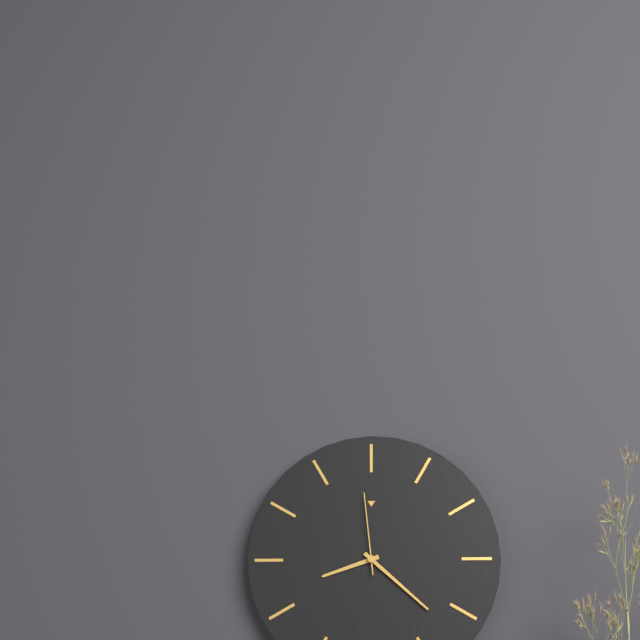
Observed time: 8h22m59s
